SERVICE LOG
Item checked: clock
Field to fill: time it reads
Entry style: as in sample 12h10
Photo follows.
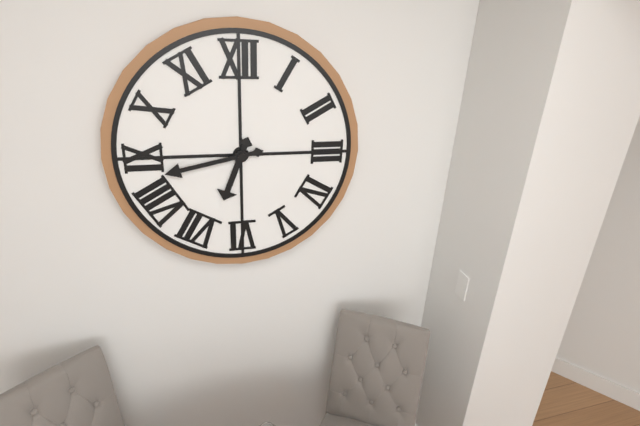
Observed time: 6h43
